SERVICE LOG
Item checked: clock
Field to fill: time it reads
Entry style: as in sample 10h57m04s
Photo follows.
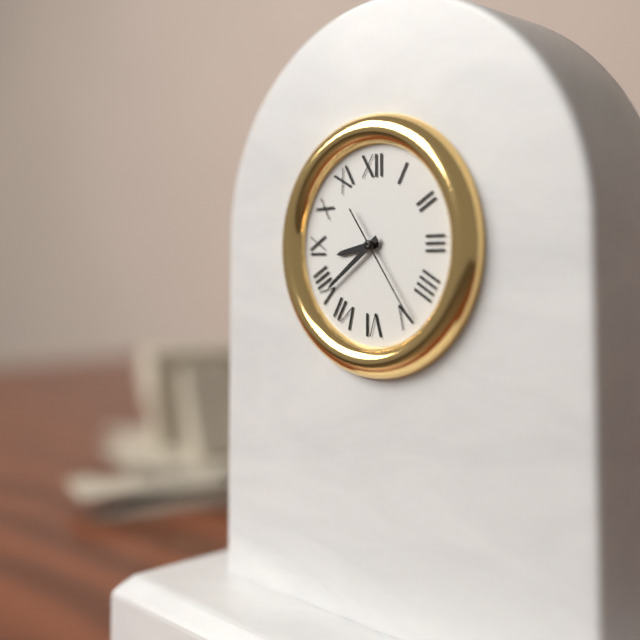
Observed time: 8h39m24s
